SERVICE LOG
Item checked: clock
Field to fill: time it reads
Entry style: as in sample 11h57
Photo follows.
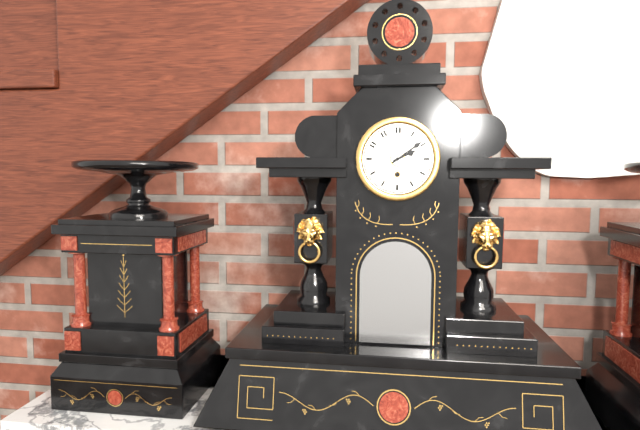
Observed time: 2h09
